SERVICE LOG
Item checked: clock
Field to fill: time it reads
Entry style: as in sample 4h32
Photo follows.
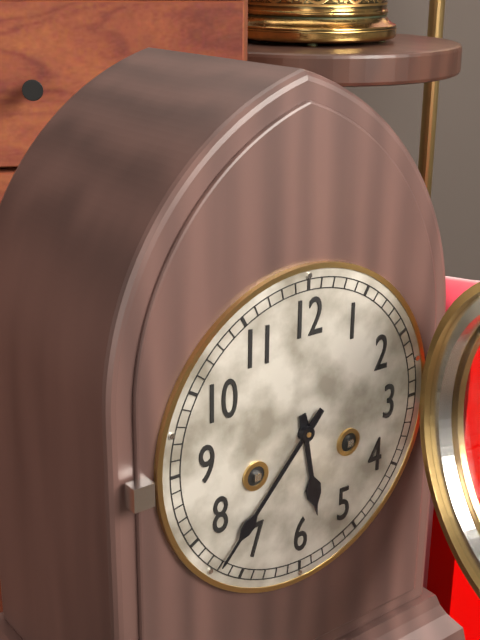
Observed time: 5h37
